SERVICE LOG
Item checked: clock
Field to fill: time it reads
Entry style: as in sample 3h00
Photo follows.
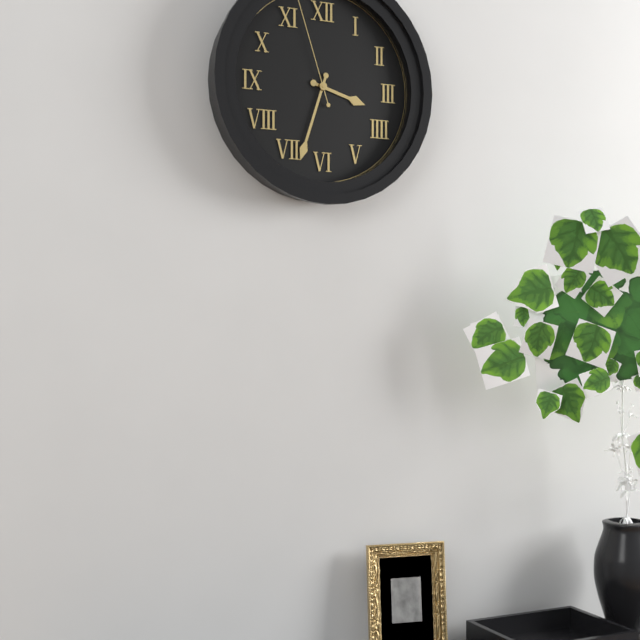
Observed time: 3h33
